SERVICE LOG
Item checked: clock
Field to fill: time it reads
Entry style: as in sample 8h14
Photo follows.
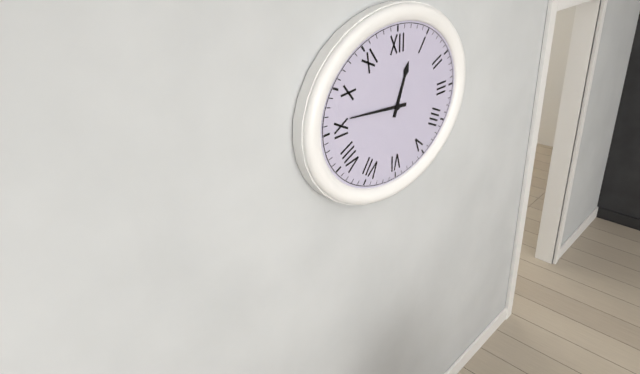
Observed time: 12h46
